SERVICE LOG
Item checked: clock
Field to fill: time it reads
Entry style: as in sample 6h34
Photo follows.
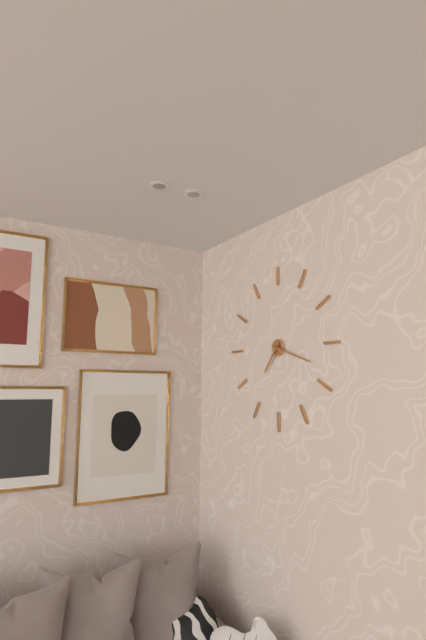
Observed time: 7h18
